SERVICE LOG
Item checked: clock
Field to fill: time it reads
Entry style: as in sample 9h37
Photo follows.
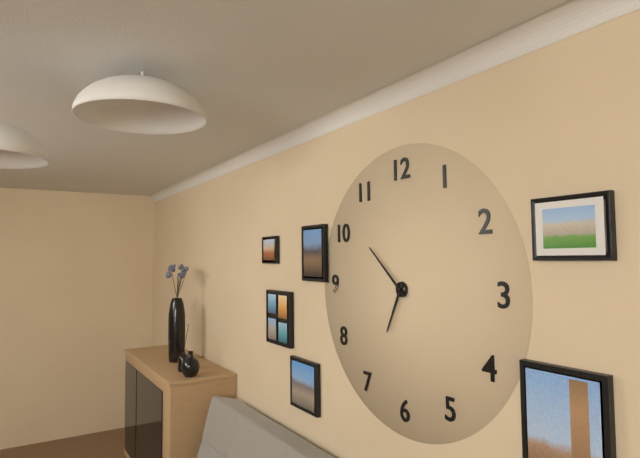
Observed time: 6h52
